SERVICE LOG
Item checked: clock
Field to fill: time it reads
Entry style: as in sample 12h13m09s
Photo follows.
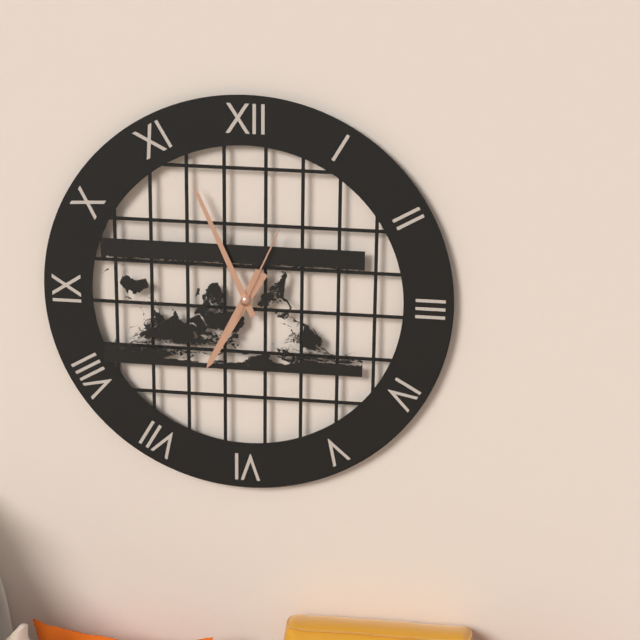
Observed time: 6h56m04s
